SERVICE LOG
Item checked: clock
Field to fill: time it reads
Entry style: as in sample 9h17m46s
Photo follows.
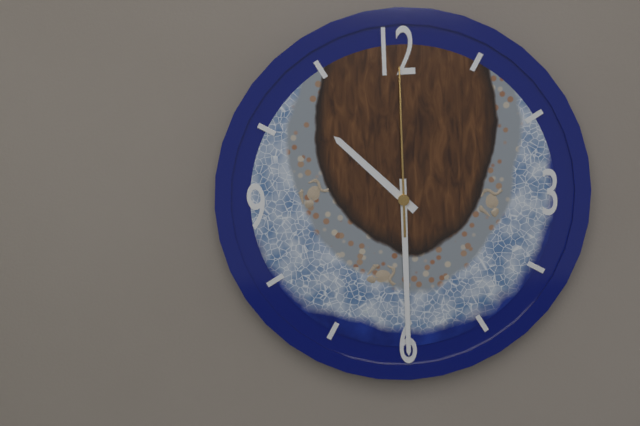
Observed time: 10h30m00s
